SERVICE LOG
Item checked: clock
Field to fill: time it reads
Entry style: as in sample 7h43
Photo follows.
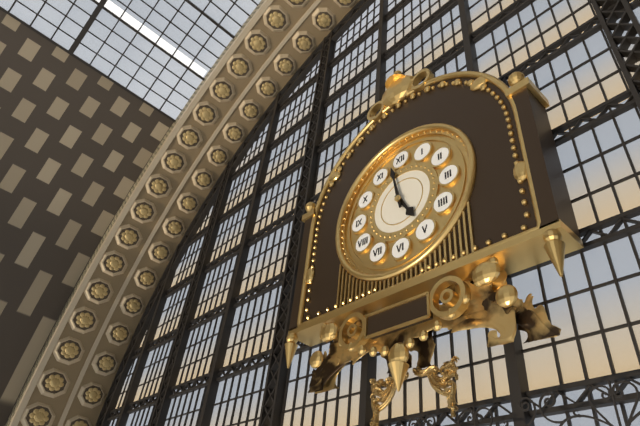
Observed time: 4h58
